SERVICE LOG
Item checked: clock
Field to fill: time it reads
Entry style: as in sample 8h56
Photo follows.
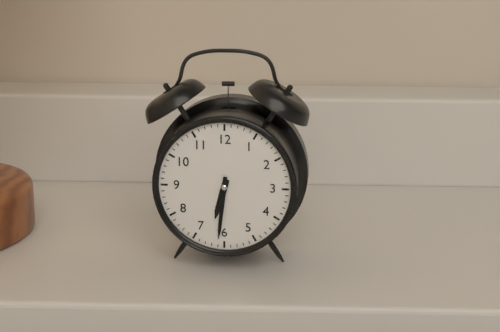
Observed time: 6h31
